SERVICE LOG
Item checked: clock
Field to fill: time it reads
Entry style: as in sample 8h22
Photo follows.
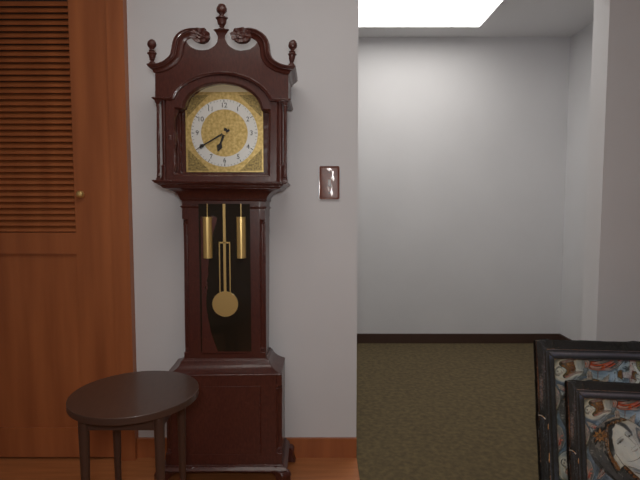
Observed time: 6h40
